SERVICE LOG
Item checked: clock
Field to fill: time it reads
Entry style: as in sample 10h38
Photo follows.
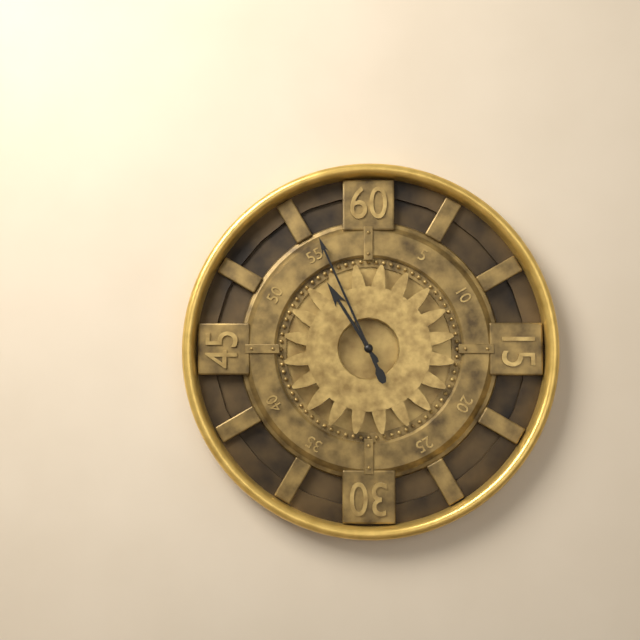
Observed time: 10h56
